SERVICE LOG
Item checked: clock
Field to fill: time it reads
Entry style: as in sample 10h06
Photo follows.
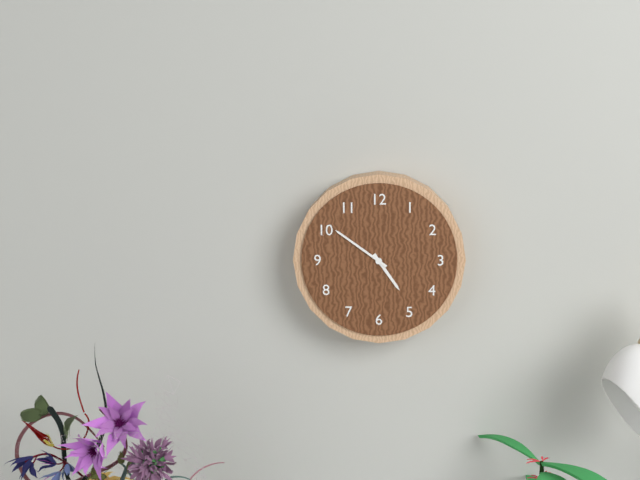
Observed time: 4h51
